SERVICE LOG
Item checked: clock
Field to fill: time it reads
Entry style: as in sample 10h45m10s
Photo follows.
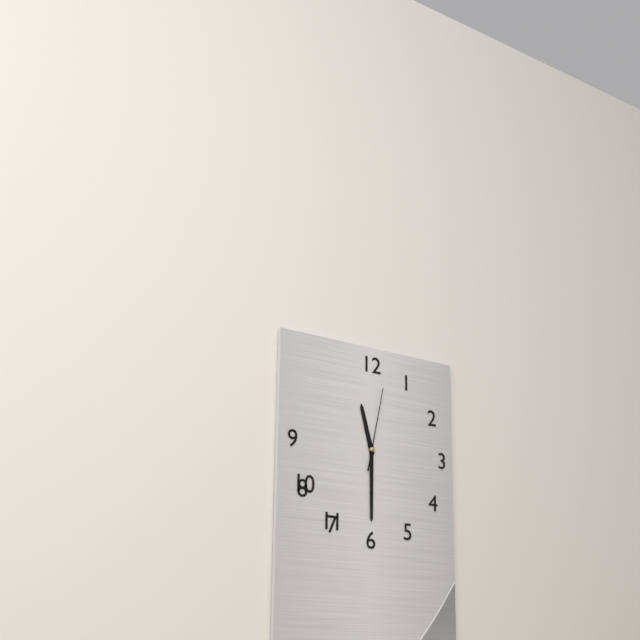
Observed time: 11h30m02s
